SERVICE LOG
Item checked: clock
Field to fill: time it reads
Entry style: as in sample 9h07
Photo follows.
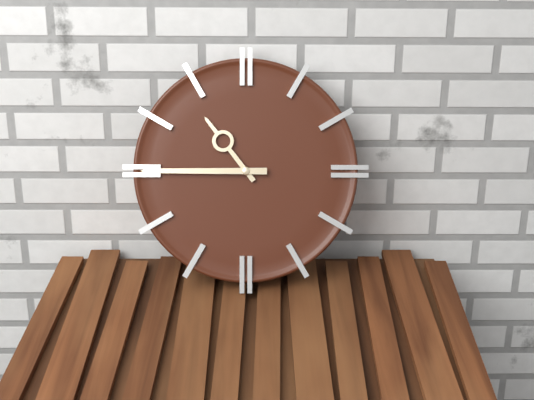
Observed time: 10h45
